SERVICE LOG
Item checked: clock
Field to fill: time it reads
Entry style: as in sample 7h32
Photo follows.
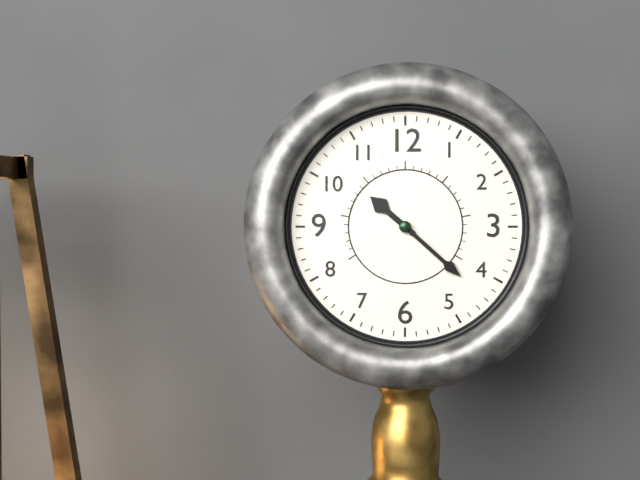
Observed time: 10h22
